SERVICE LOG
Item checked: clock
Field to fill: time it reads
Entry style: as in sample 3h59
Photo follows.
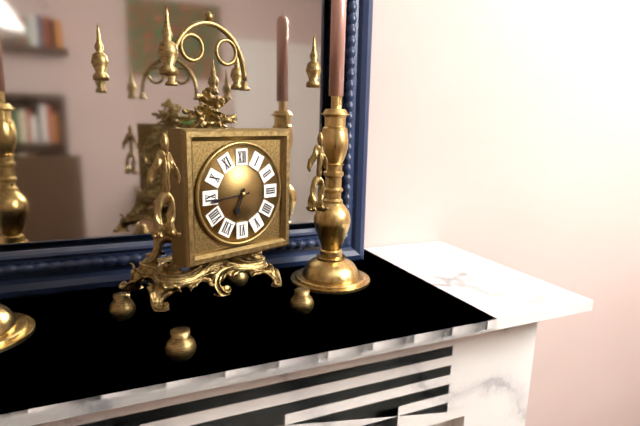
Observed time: 6h44
